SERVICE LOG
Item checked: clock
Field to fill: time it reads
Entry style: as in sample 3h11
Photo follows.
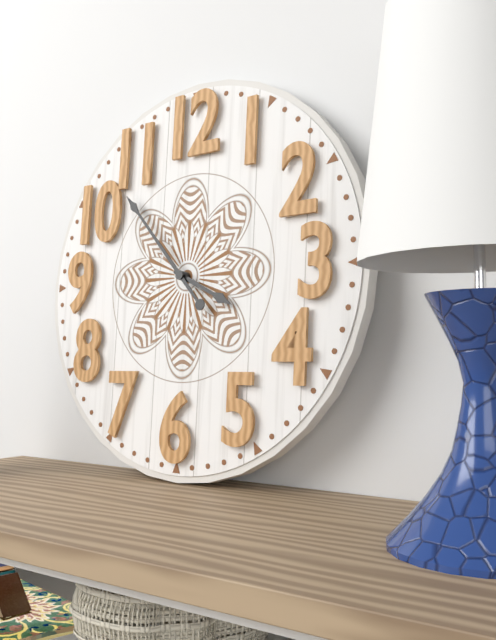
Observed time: 3h53
